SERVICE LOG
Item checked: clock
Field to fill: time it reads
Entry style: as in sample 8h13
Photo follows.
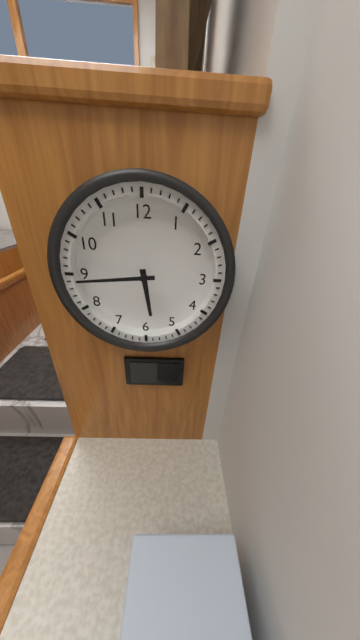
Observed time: 5h44
